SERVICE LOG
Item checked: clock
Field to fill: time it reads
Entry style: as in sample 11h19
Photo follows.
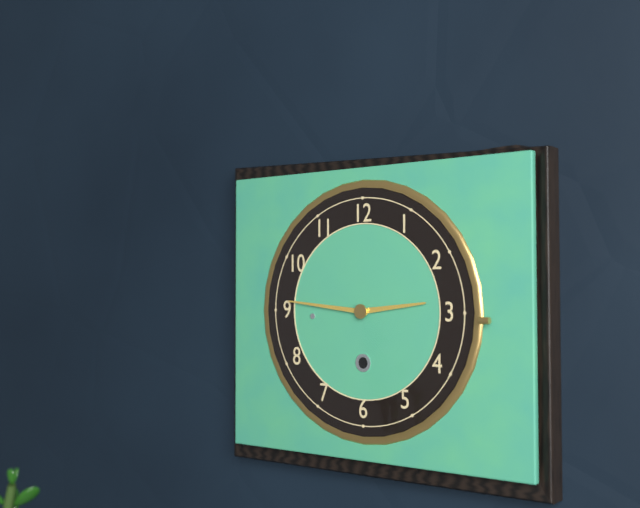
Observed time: 2h46
